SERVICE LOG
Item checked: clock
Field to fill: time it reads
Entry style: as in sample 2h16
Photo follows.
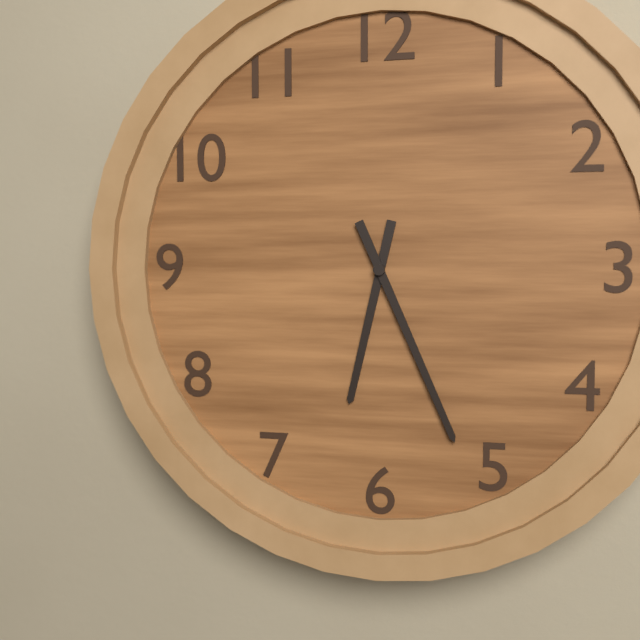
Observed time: 6h26
